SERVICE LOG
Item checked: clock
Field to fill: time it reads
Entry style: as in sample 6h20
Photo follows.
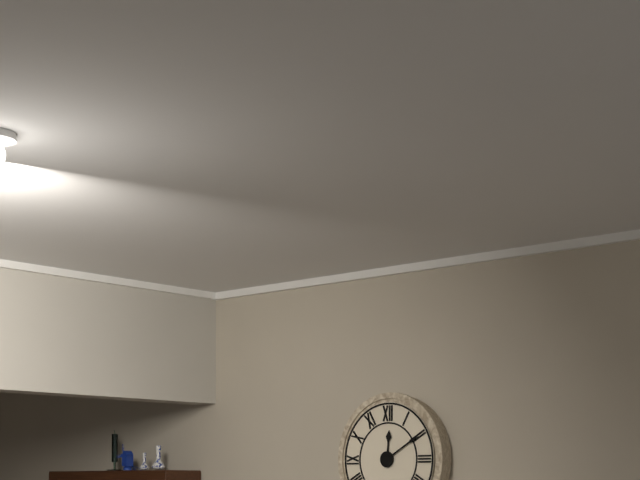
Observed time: 12h10
